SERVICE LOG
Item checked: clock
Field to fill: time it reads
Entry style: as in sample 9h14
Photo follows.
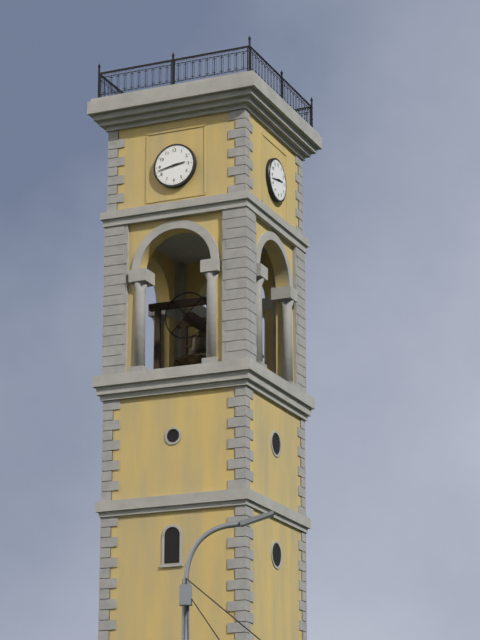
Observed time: 2h43
